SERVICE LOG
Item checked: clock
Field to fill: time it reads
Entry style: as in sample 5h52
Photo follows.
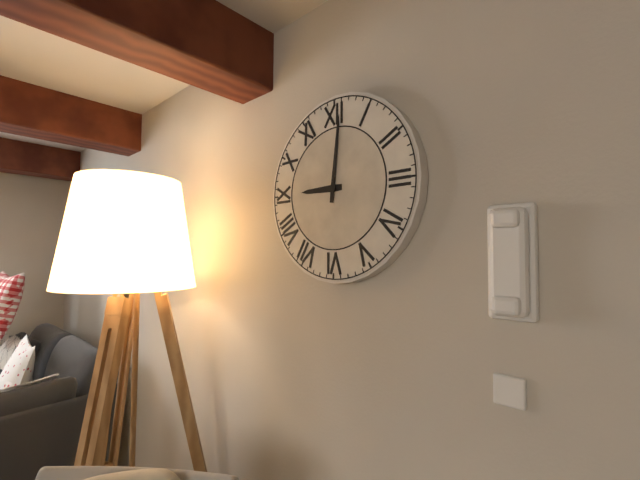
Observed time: 9h01
